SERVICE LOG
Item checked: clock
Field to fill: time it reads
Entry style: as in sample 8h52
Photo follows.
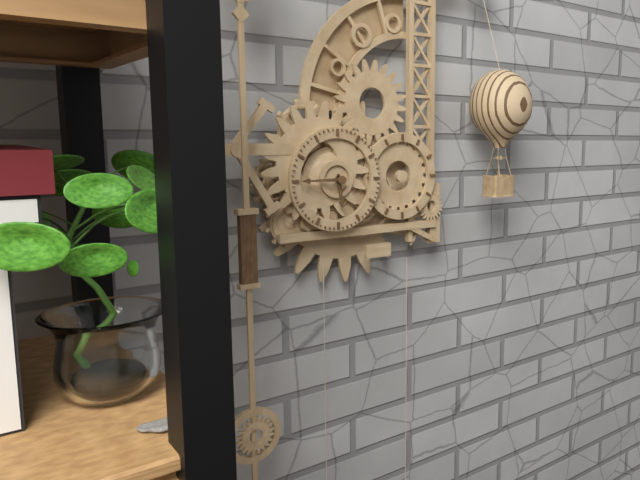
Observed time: 5h45
